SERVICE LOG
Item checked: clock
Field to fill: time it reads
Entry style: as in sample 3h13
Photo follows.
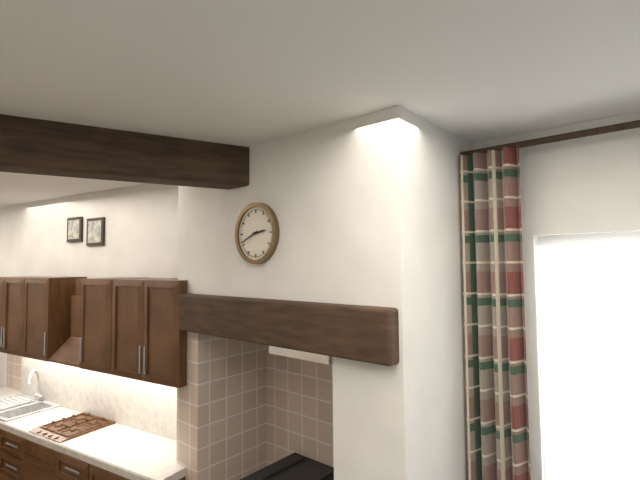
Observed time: 2h41
